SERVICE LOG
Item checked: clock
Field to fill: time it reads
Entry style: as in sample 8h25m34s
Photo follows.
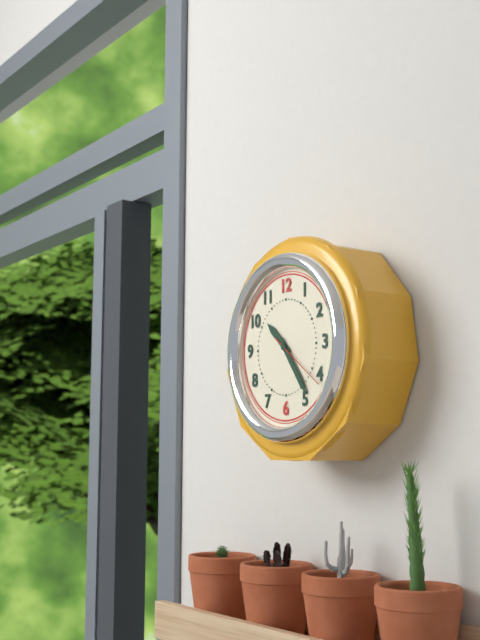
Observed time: 10h24m21s
